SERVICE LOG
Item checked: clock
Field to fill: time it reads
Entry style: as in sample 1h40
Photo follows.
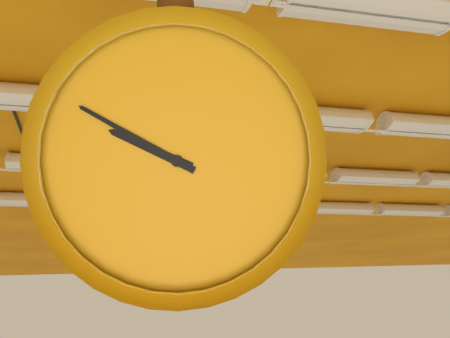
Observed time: 9h50
